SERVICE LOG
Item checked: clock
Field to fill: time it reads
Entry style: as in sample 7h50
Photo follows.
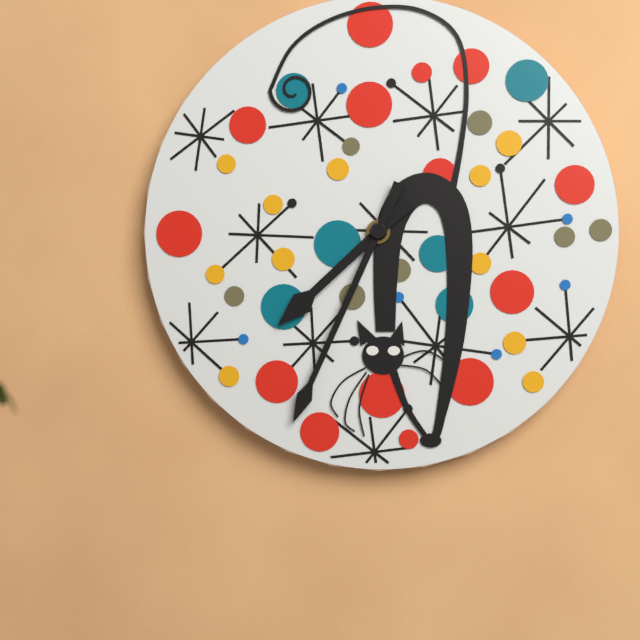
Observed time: 7h34
